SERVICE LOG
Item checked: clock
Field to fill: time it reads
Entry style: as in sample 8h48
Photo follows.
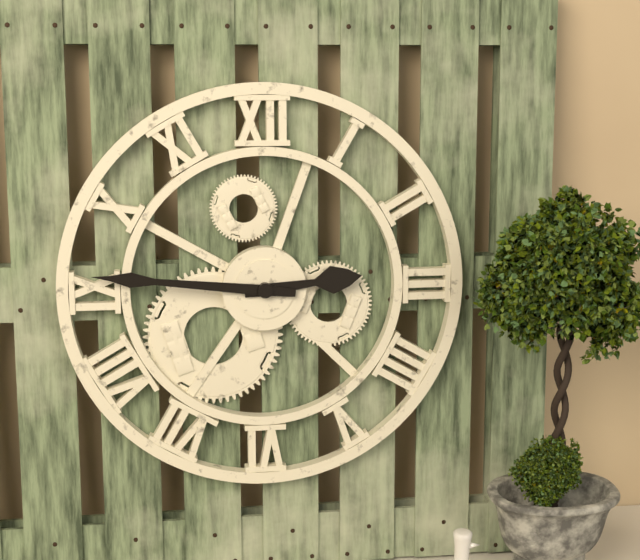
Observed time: 2h46
